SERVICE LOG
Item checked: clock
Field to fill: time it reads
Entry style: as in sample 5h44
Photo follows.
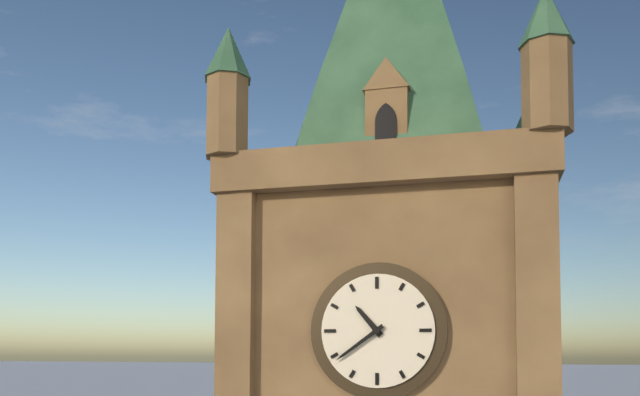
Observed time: 10h39
